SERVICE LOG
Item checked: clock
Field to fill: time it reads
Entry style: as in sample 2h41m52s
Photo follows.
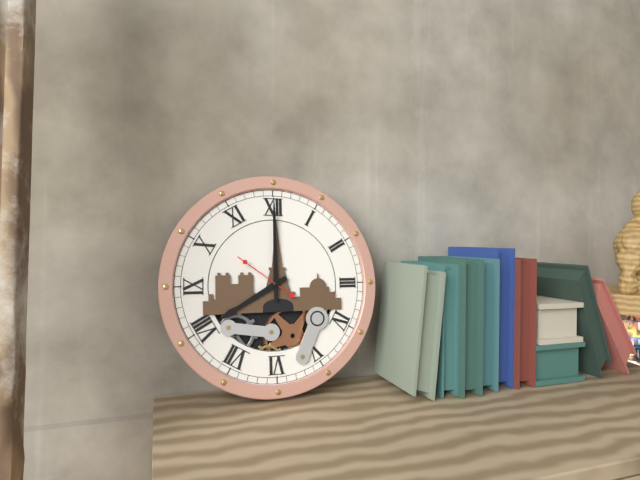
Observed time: 8h00m51s
